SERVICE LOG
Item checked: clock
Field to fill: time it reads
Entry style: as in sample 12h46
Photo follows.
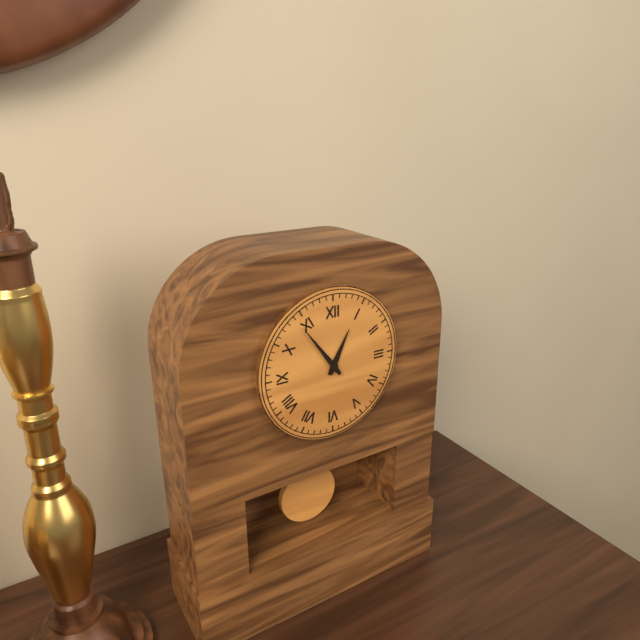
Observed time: 12h54
